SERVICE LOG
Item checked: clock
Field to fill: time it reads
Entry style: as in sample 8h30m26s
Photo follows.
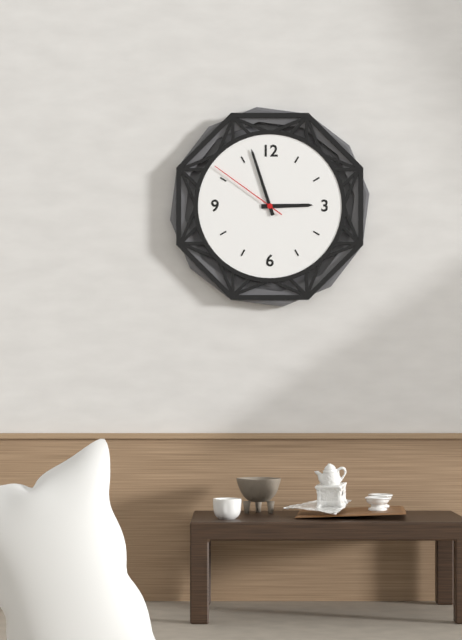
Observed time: 2h57m51s
